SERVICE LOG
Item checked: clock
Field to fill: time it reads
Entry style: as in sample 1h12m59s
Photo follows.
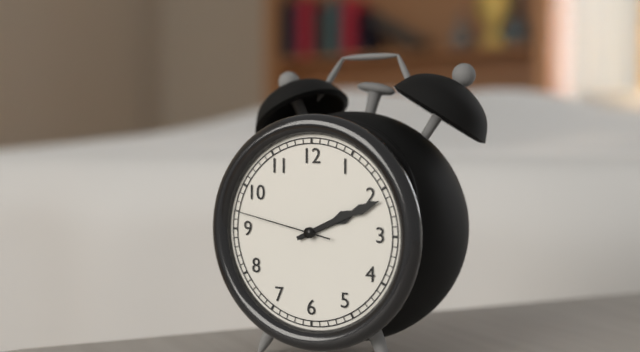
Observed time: 2h11m47s
